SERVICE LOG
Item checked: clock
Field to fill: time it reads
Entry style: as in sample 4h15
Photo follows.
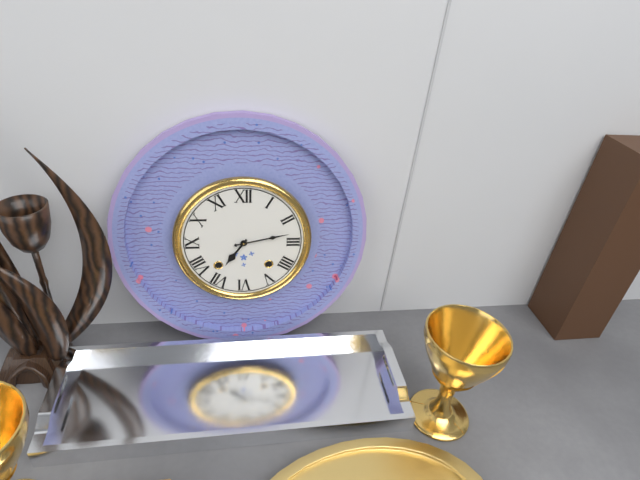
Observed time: 7h13
